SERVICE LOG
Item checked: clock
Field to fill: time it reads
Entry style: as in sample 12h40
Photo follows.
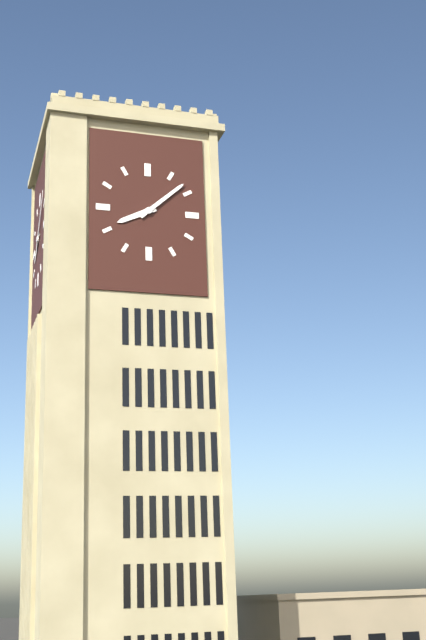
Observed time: 8h08
